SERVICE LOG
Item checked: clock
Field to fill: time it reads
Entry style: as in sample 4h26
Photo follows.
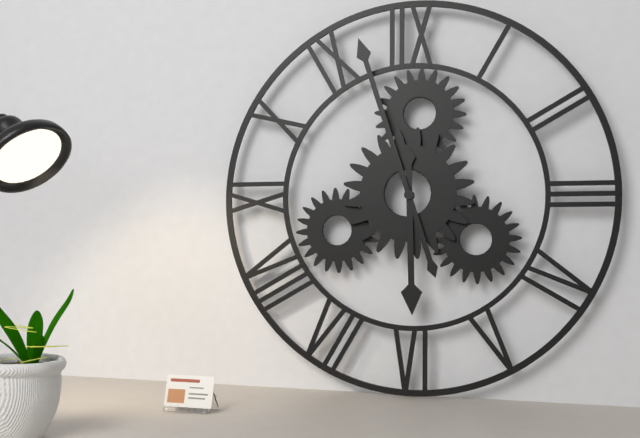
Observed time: 5h57
